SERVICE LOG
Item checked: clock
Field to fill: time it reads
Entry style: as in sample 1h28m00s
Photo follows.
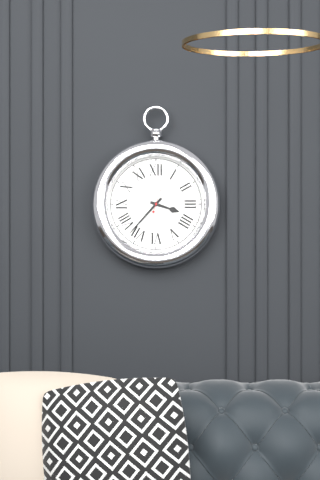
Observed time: 3h37m03s
